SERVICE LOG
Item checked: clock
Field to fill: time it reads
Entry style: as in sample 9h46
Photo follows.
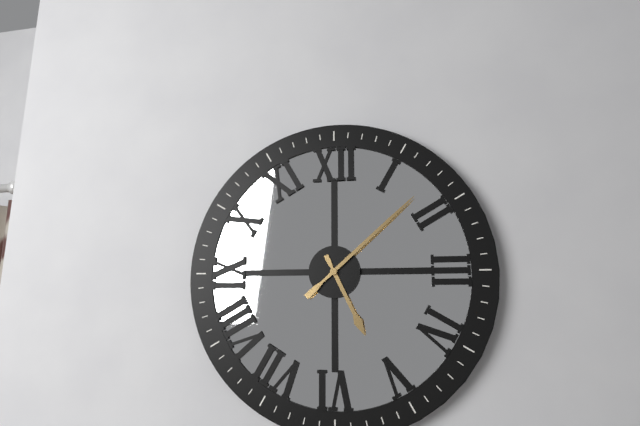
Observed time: 5h08
